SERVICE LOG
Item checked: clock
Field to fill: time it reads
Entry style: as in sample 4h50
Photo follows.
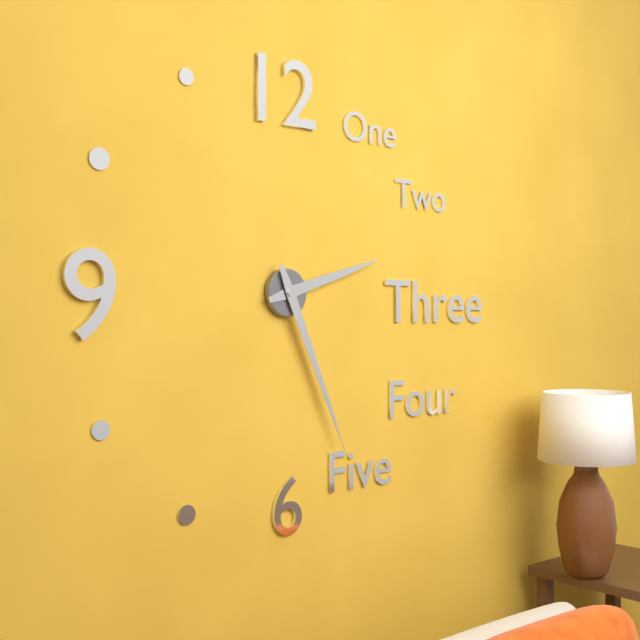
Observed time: 2h26
